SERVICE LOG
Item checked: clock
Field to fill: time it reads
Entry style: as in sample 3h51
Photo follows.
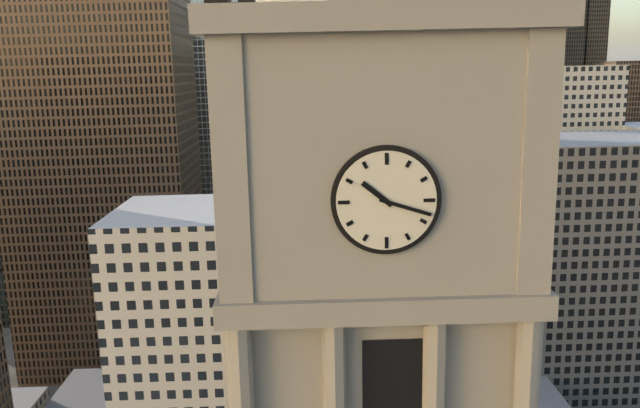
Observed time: 10h18
